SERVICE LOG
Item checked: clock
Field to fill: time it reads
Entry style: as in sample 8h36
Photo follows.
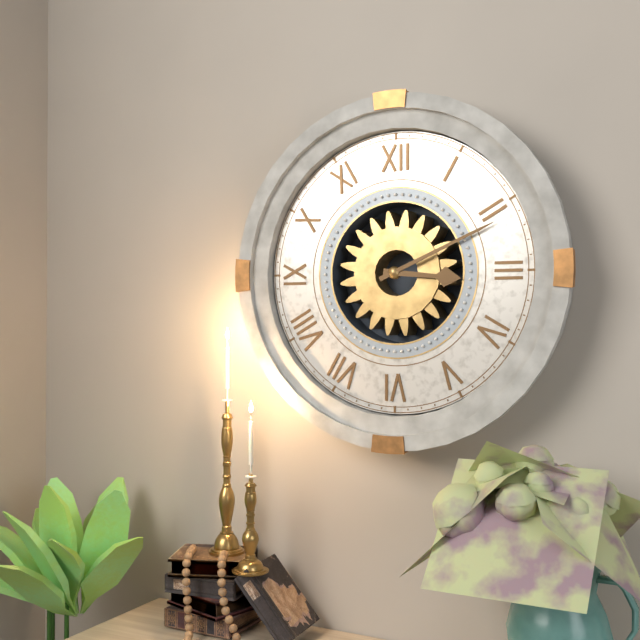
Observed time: 3h11
